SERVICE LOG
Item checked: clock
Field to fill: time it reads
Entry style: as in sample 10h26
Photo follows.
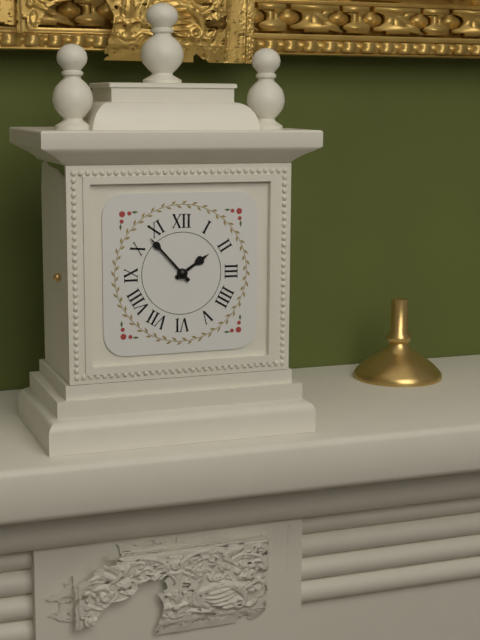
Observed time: 1h53
